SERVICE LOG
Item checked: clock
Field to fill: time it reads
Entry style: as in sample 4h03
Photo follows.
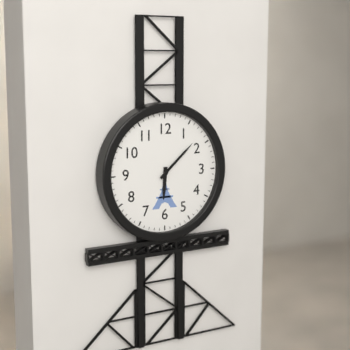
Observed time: 6h08
